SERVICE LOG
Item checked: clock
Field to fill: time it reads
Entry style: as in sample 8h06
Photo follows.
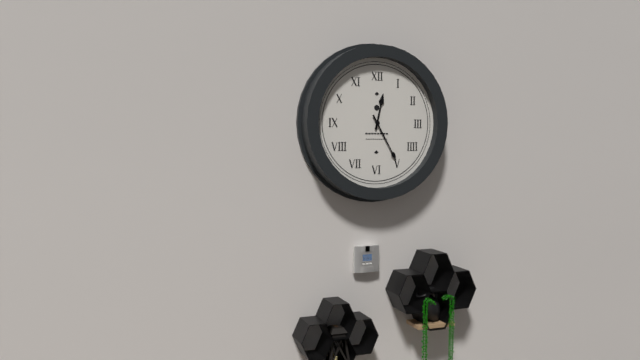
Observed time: 12h25
